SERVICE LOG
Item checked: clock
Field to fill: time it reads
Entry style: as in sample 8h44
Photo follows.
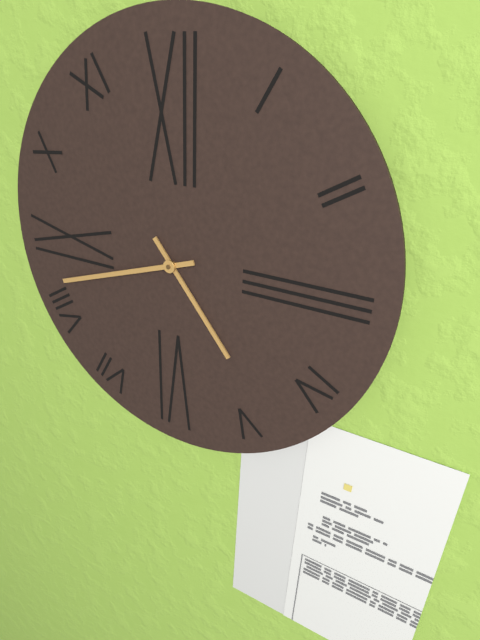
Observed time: 4h42
